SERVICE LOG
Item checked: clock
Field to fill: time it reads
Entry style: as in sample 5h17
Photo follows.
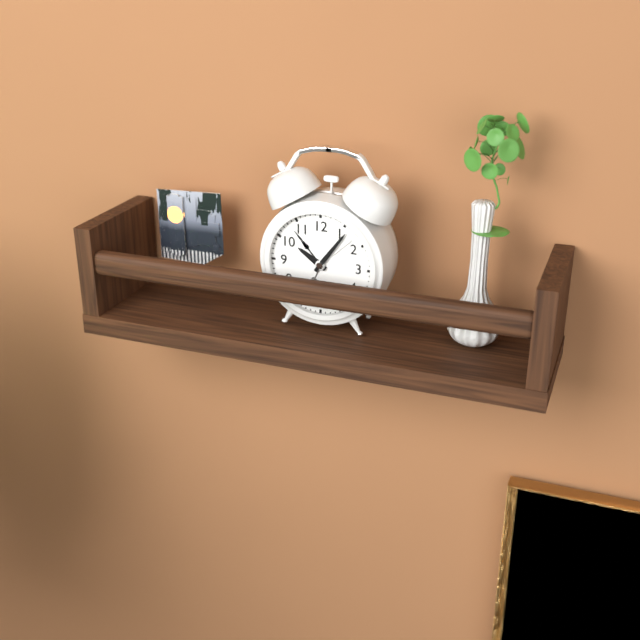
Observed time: 10h06
